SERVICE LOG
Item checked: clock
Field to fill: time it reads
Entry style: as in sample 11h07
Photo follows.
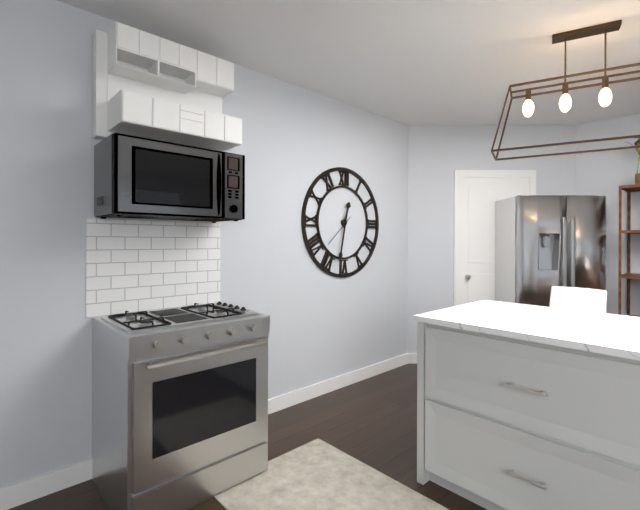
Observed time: 12h32
